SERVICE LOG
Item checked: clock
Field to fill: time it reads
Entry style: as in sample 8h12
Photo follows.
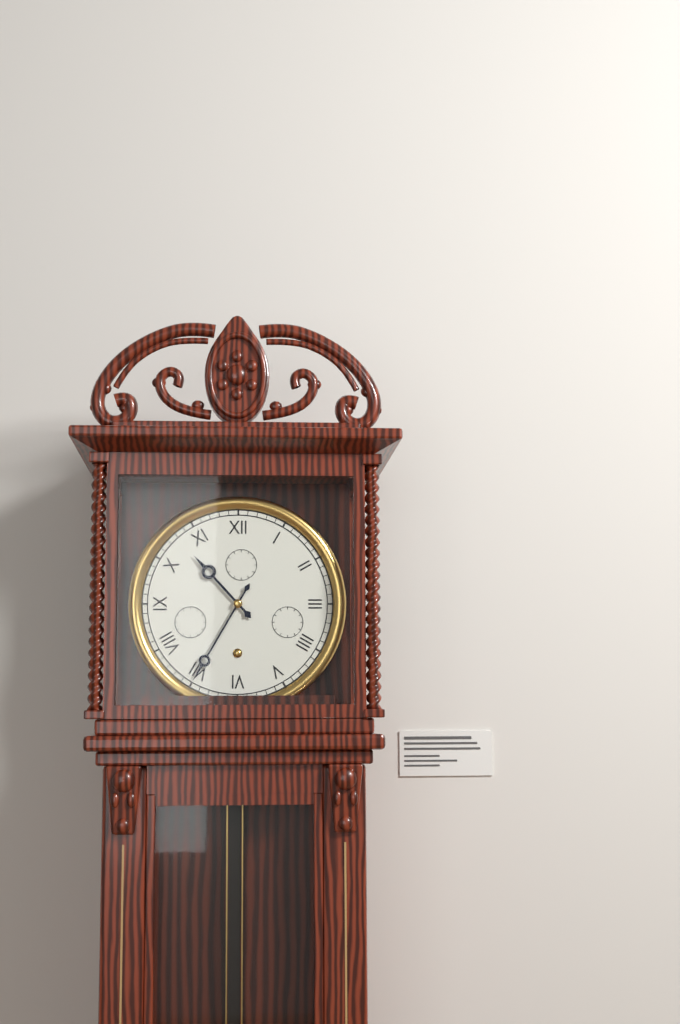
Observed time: 10h35
